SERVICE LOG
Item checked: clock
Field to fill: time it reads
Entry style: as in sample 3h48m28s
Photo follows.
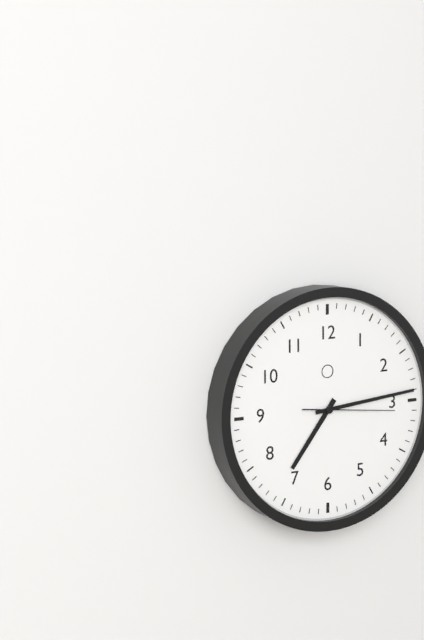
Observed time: 7h14m16s
